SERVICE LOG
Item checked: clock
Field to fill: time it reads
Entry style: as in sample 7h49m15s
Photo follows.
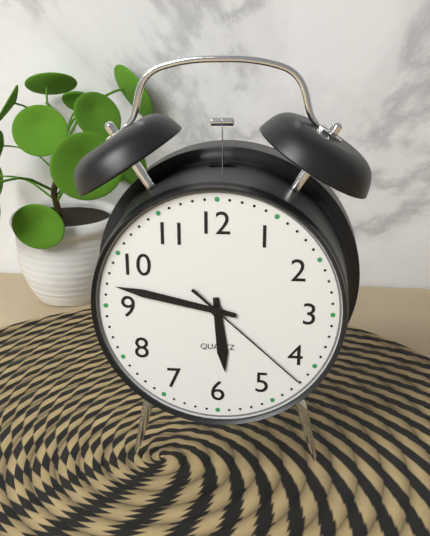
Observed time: 5h47m22s
